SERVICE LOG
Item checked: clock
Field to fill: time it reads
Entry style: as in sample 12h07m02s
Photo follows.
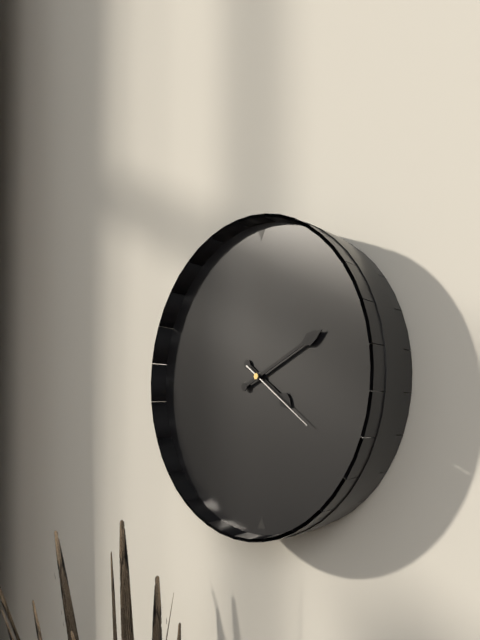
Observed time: 4h11m21s
